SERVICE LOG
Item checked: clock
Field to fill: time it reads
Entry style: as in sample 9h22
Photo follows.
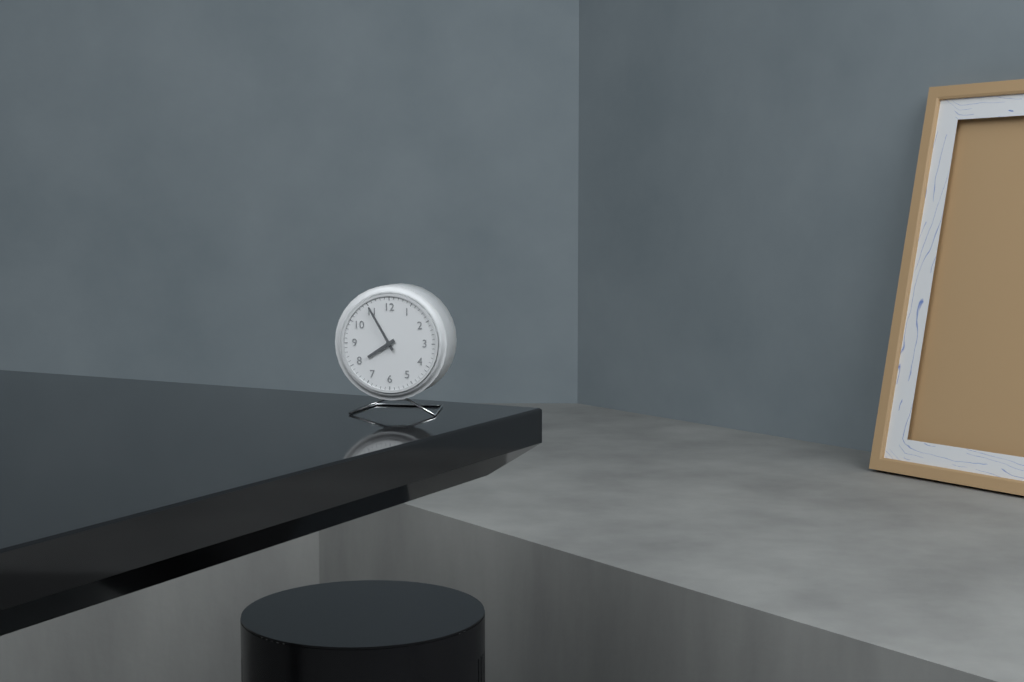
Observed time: 7h55
